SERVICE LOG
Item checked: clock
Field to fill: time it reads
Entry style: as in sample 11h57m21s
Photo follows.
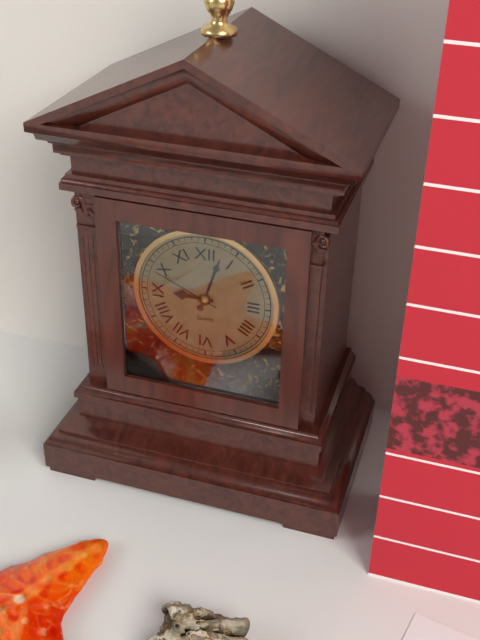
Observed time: 9h03m49s
